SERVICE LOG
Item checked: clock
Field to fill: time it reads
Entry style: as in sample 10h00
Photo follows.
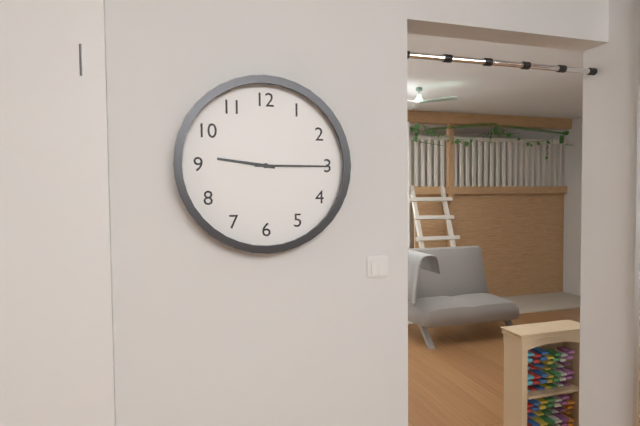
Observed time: 9h15
